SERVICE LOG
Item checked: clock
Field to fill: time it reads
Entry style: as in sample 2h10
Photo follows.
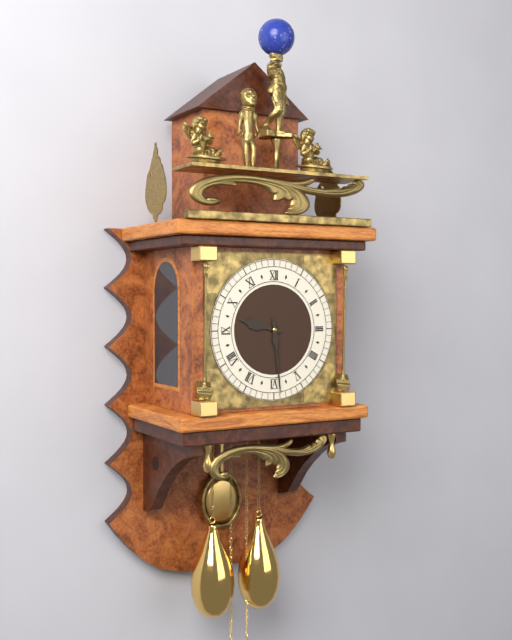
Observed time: 9h29
